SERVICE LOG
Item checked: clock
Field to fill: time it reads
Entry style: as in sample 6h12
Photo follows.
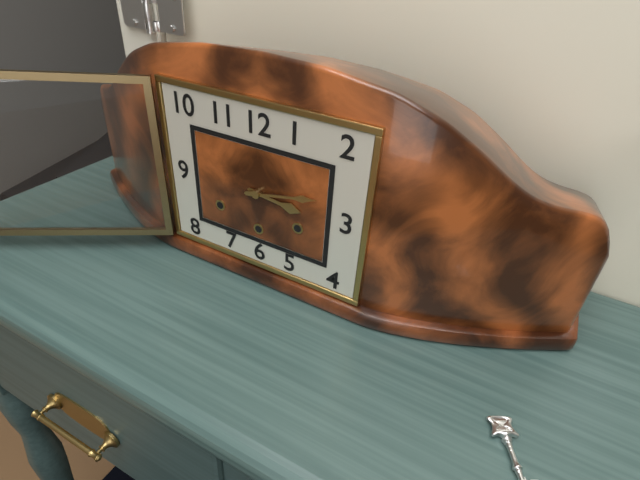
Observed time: 3h13
